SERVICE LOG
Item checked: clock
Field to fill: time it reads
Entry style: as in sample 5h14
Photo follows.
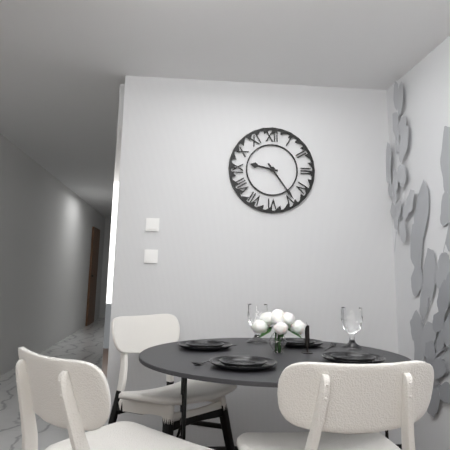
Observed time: 9h24
